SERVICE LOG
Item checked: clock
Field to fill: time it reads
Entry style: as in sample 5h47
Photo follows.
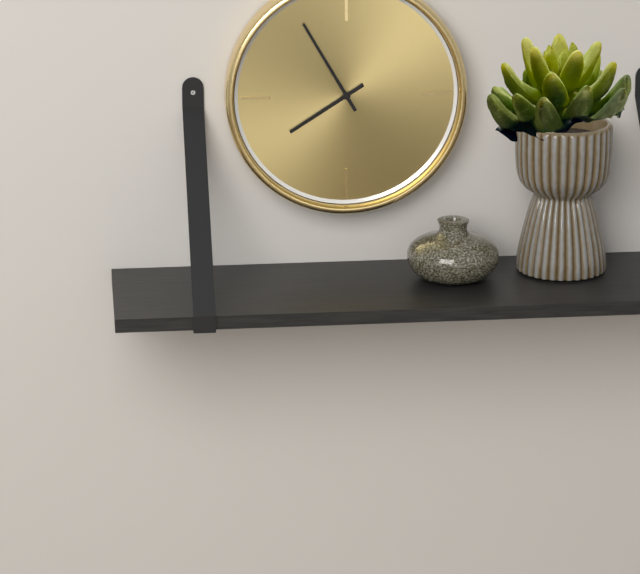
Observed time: 7h55
